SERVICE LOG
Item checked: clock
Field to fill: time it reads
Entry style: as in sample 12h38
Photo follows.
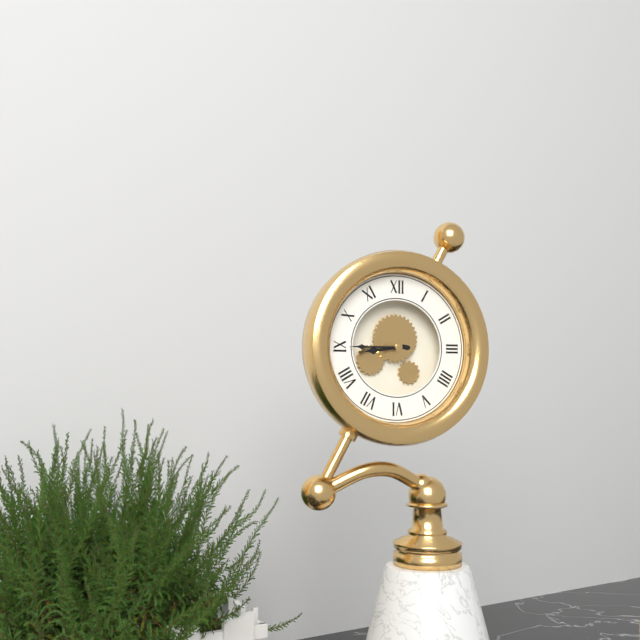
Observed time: 8h45
